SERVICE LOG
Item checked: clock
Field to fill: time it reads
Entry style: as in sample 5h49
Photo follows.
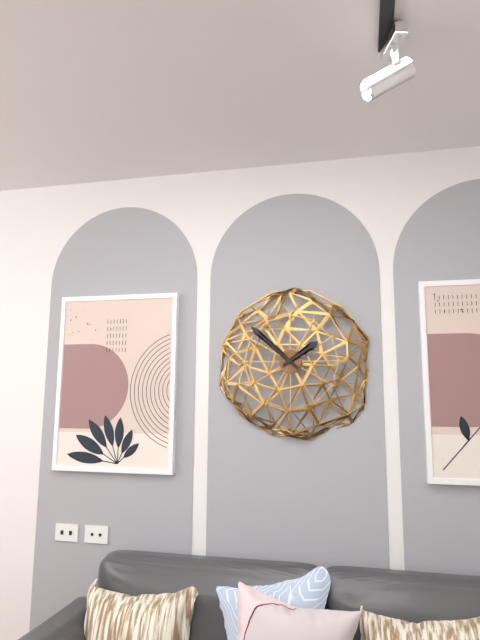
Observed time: 1h52
